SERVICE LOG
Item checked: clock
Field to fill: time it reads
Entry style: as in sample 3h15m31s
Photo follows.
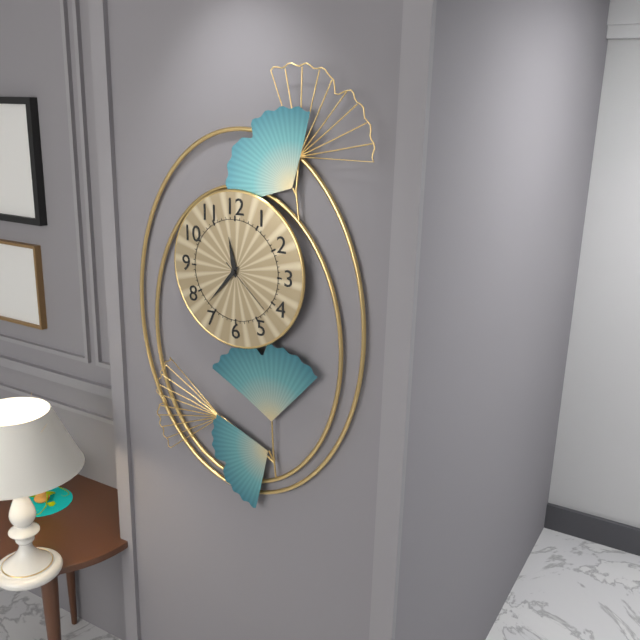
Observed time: 11h37m22s
